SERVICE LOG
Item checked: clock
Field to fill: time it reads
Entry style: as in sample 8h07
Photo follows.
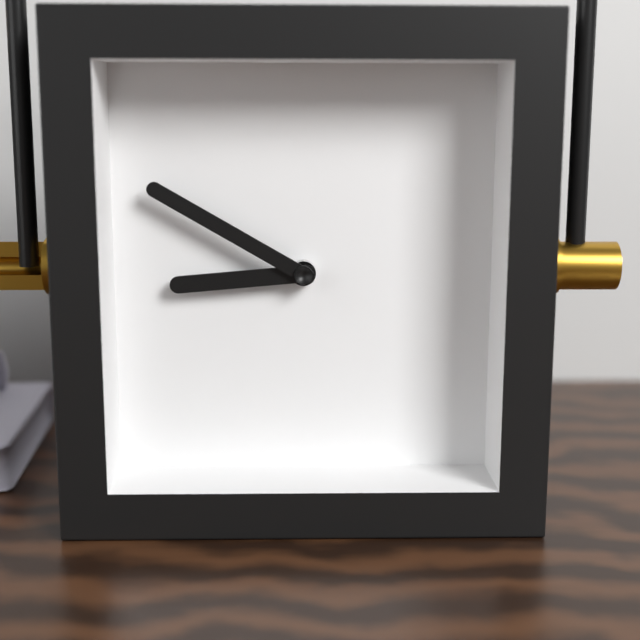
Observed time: 8h50
